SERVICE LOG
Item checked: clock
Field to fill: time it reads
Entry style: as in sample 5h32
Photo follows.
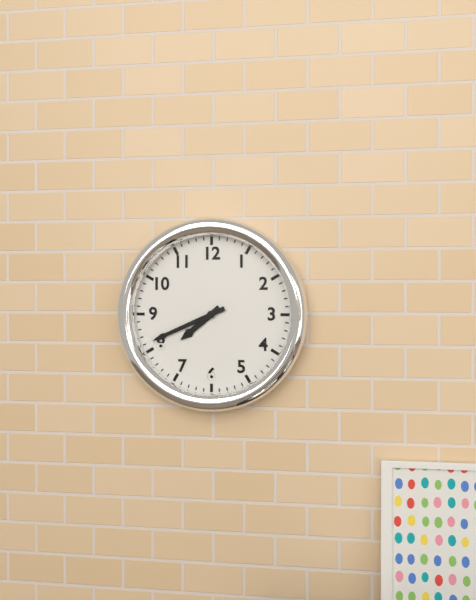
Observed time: 7h41
